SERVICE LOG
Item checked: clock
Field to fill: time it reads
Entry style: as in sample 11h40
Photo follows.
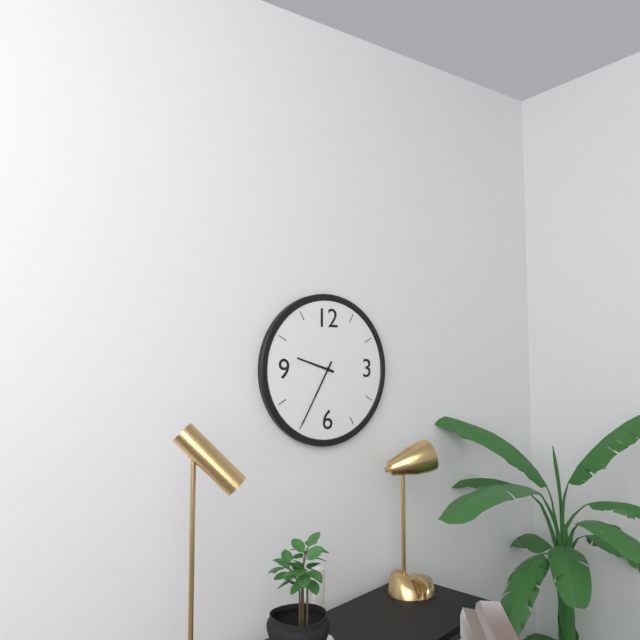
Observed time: 9h35
